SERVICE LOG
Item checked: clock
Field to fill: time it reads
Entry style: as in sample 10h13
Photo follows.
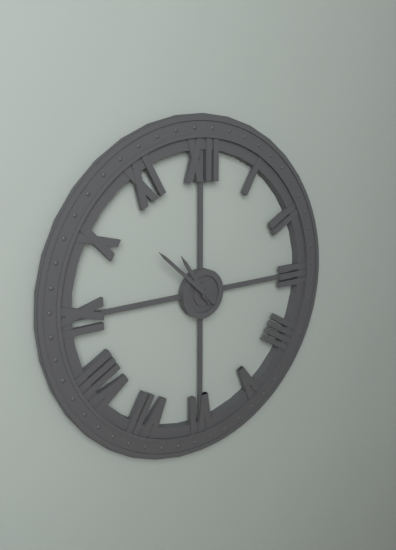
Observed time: 10h52
